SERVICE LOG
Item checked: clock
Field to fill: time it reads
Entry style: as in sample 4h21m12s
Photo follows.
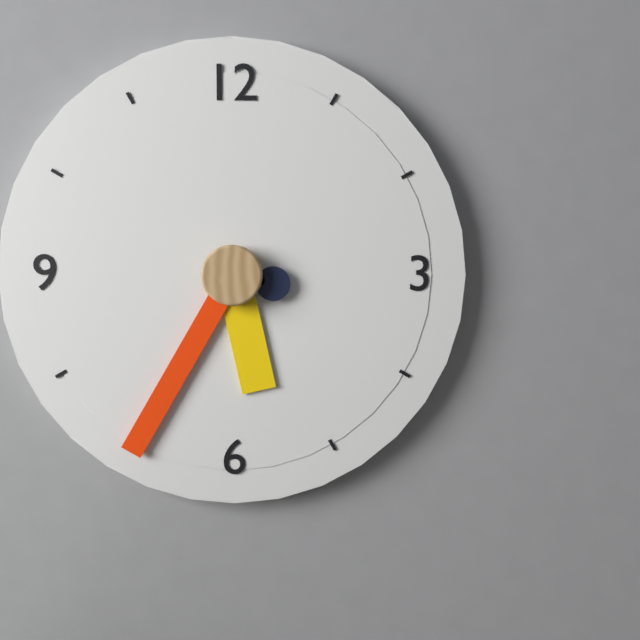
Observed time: 5h35m17s
